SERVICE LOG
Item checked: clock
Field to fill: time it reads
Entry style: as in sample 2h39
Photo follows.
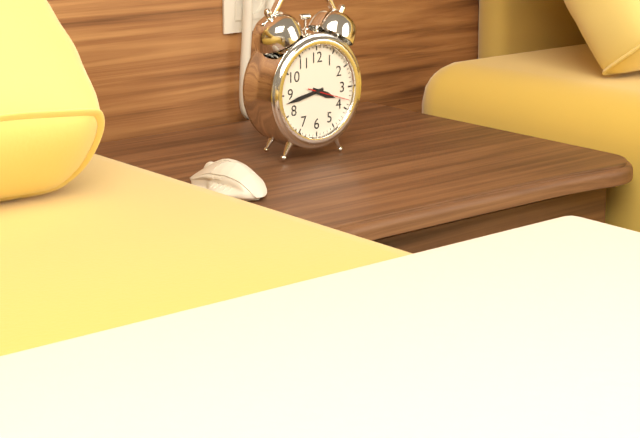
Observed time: 3h43
